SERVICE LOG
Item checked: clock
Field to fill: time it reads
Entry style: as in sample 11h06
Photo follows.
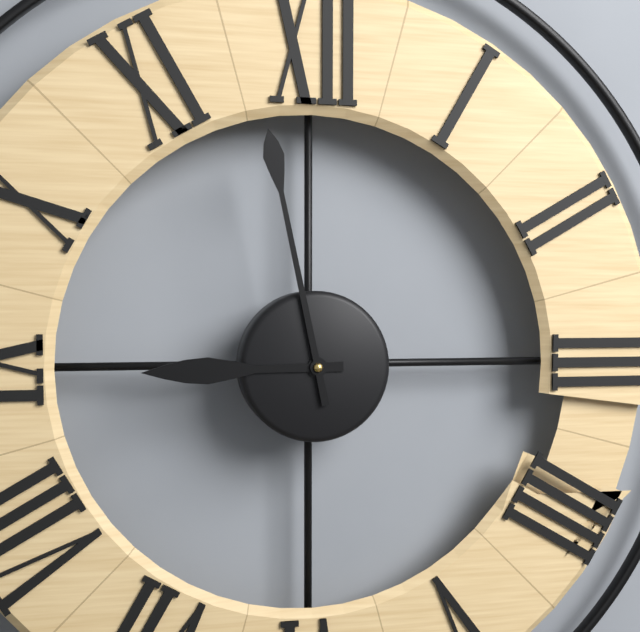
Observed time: 8h58
